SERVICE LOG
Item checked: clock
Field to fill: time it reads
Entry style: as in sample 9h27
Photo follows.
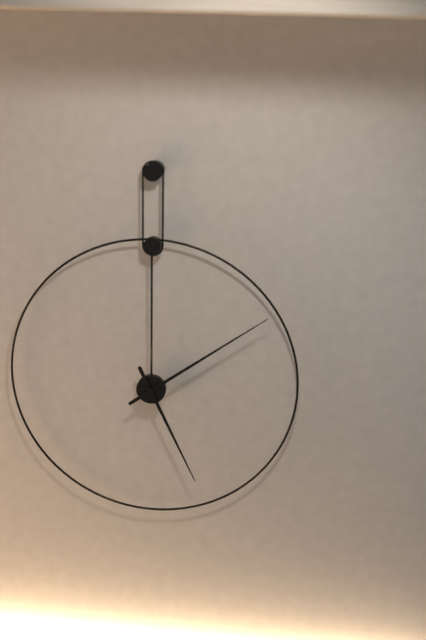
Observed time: 5h09
